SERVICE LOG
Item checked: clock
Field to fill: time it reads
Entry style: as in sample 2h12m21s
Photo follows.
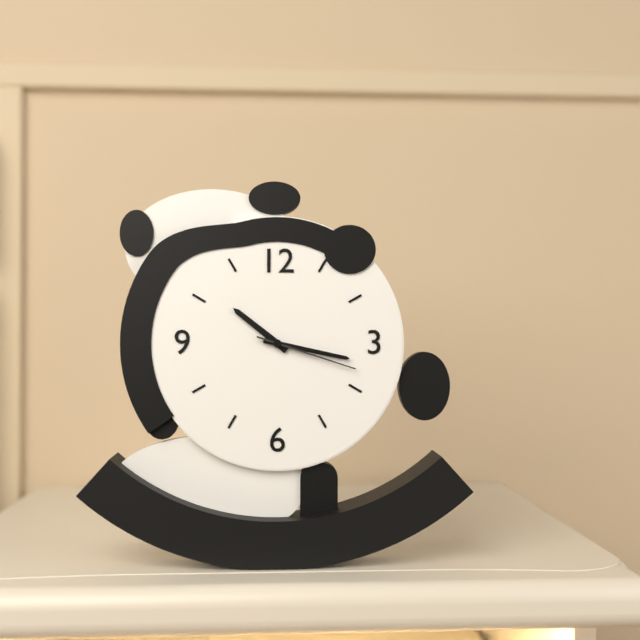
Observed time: 10h17m18s
